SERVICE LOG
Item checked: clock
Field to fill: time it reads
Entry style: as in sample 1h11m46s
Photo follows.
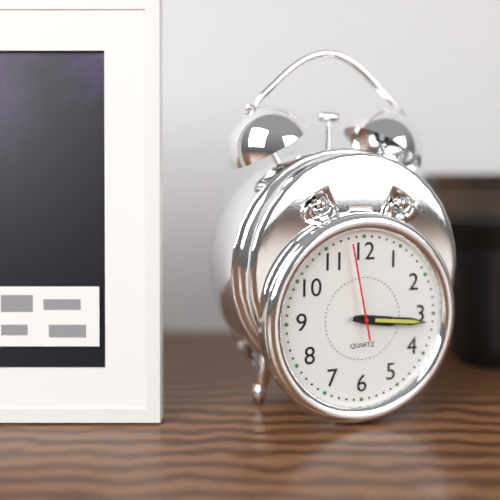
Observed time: 3h16m58s
